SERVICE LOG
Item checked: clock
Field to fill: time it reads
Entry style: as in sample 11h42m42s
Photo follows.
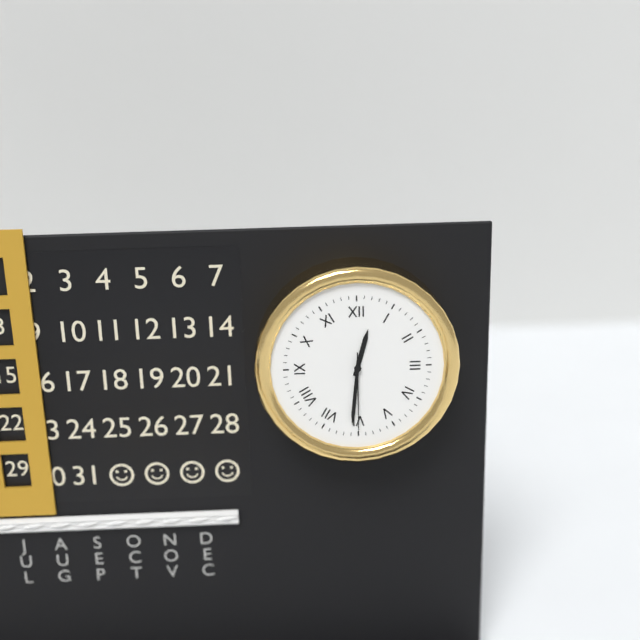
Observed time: 12h31m30s
